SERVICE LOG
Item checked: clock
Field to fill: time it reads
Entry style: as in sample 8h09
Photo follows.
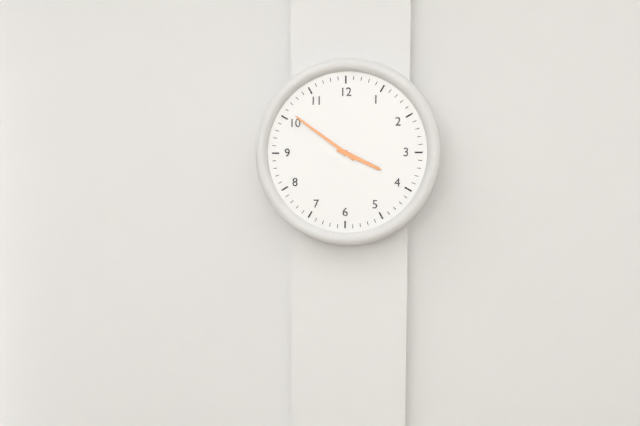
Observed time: 3h51
